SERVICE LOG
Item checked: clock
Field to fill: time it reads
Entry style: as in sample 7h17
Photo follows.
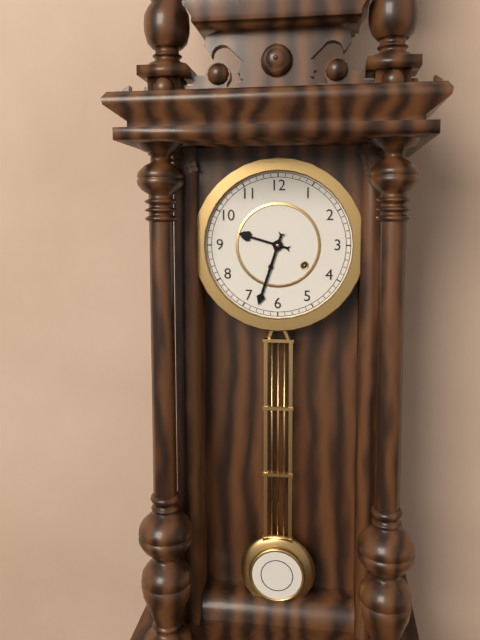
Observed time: 9h33
